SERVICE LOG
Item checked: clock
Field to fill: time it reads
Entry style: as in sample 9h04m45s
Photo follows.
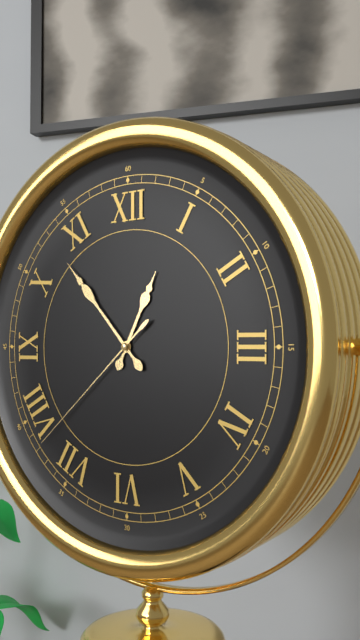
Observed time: 12h53m38s
